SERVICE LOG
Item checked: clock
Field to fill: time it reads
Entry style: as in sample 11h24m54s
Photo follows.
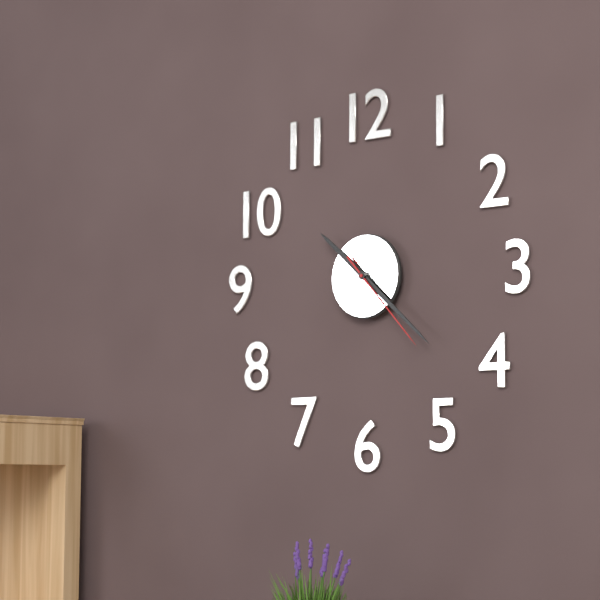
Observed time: 10h22m23s
